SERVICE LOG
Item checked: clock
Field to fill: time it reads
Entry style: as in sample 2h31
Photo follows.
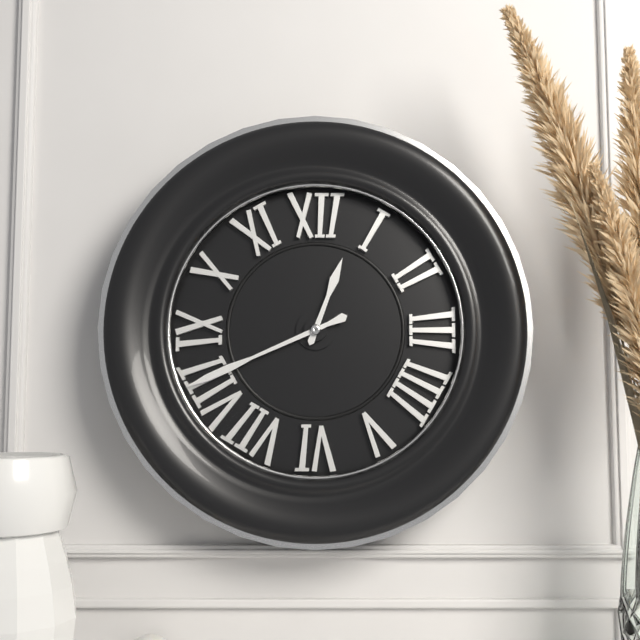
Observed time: 12h41
